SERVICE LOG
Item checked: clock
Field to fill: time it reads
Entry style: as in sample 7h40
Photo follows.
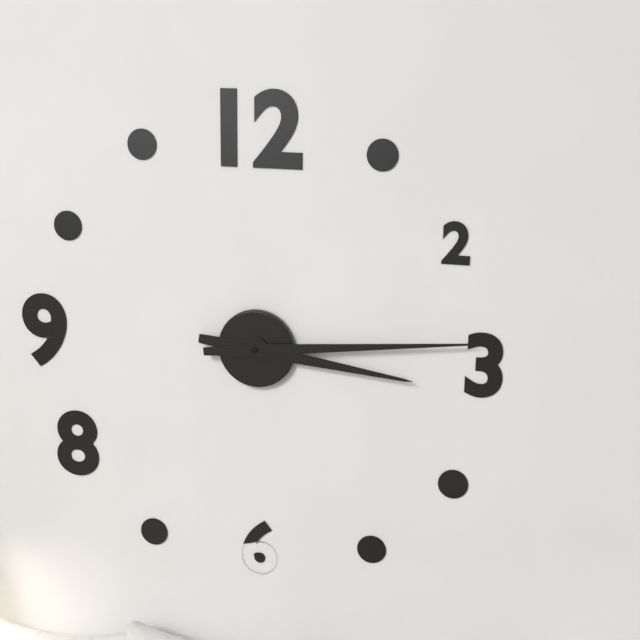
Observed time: 3h14
